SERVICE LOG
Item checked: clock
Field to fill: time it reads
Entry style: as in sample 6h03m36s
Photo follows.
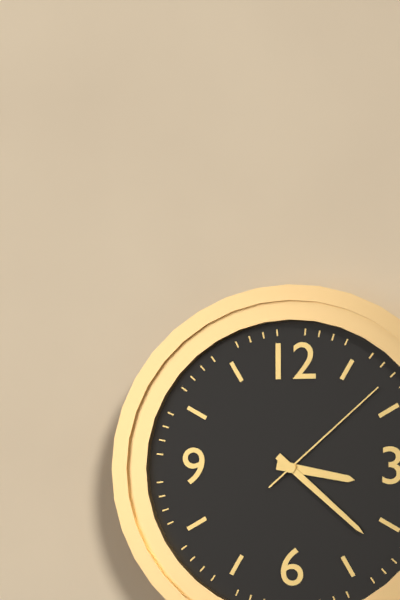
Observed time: 3h22m08s
